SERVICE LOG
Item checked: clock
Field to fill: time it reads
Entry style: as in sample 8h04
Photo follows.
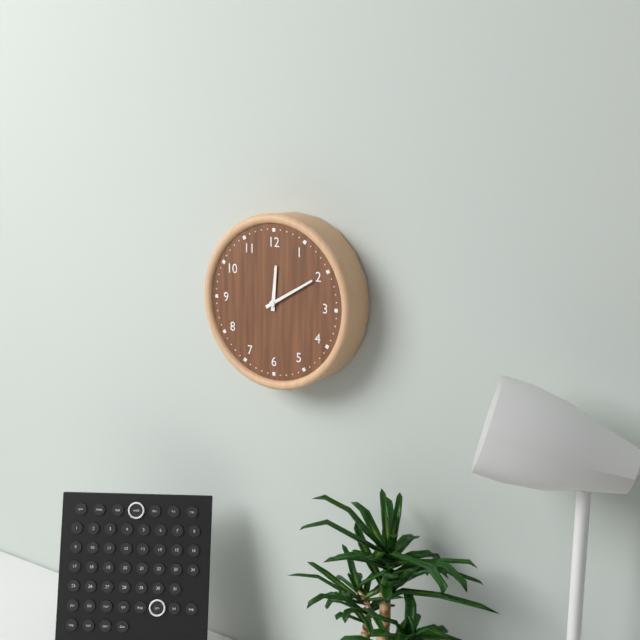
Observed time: 12h10
